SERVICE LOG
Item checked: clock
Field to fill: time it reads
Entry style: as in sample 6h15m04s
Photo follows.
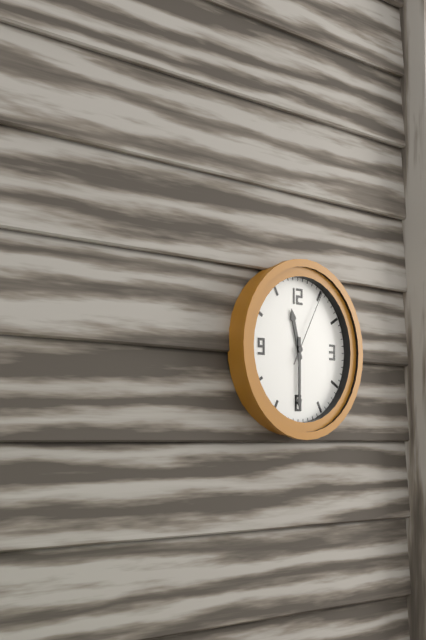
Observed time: 11h30m05s
